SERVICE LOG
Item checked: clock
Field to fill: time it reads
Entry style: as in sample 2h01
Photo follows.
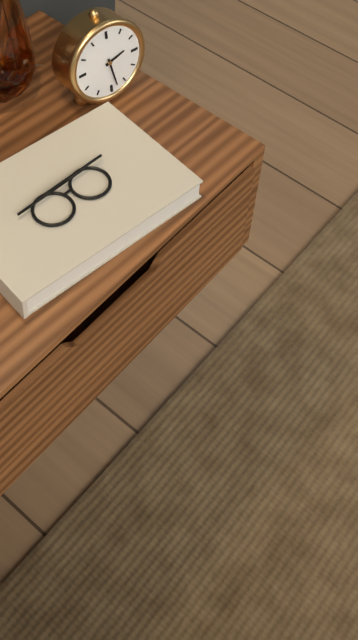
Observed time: 2h28
